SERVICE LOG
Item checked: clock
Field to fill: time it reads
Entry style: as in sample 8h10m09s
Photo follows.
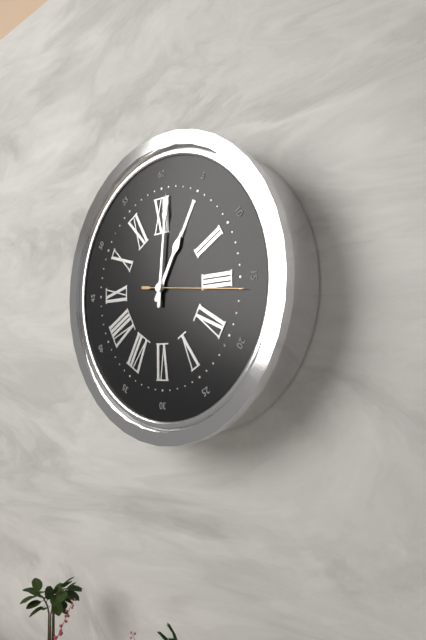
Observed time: 1h01m16s
